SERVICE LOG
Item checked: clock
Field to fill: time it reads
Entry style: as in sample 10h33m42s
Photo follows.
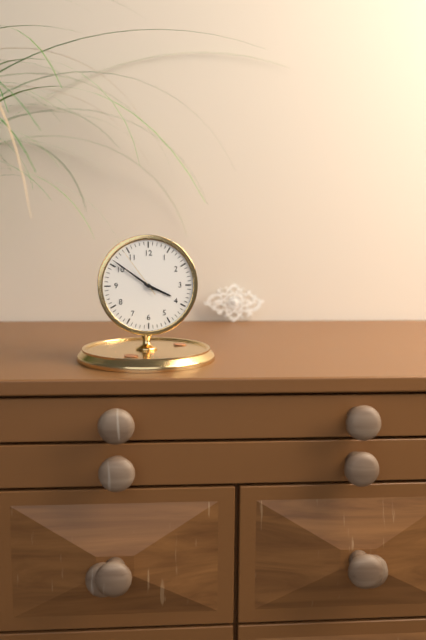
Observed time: 3h51m54s
